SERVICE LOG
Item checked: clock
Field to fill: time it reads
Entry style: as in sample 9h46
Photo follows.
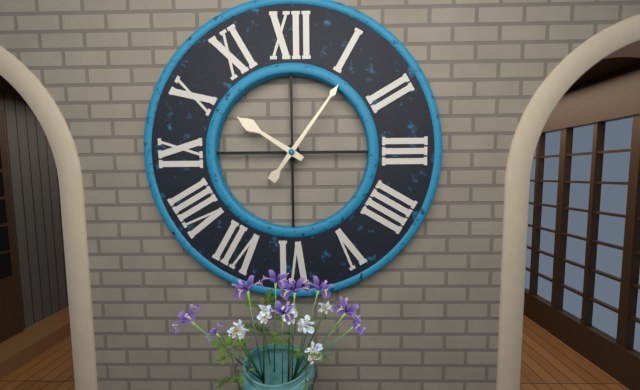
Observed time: 10h06
